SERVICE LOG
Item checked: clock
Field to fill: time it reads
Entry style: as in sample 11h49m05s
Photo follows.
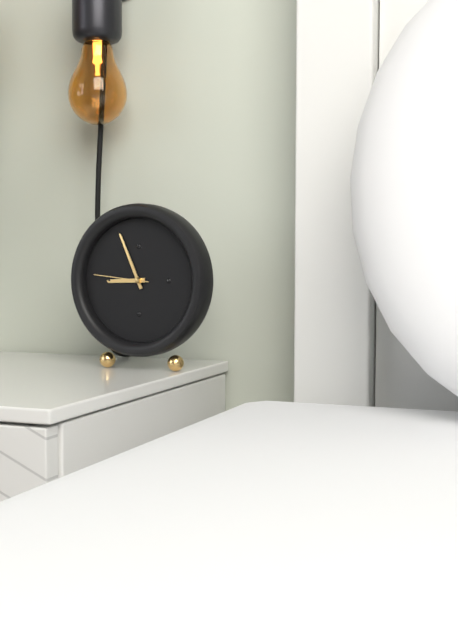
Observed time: 8h56m46s
